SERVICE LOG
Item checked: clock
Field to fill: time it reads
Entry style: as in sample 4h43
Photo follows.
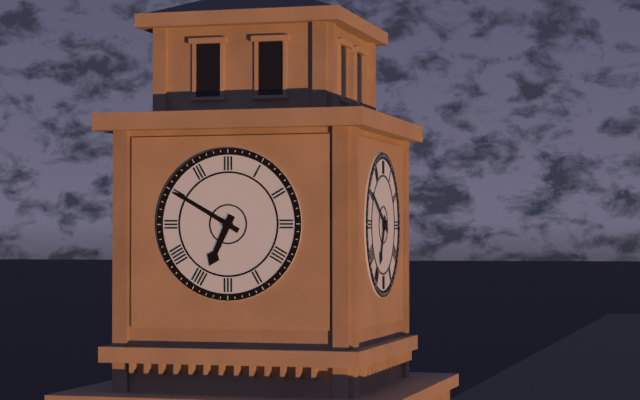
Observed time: 6h50
